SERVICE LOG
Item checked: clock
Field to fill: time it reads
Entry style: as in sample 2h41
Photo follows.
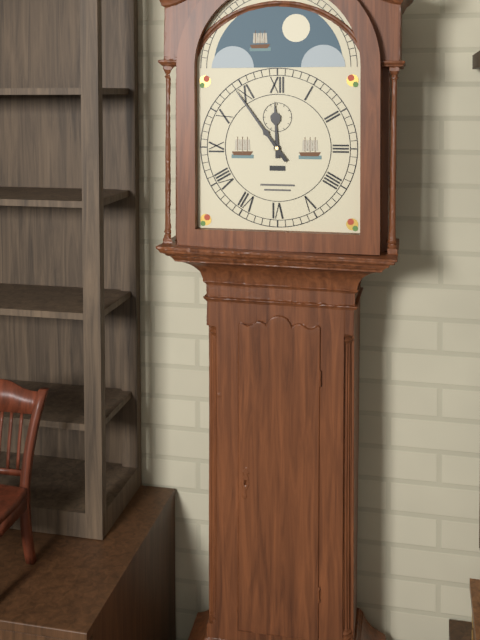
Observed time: 11h54
